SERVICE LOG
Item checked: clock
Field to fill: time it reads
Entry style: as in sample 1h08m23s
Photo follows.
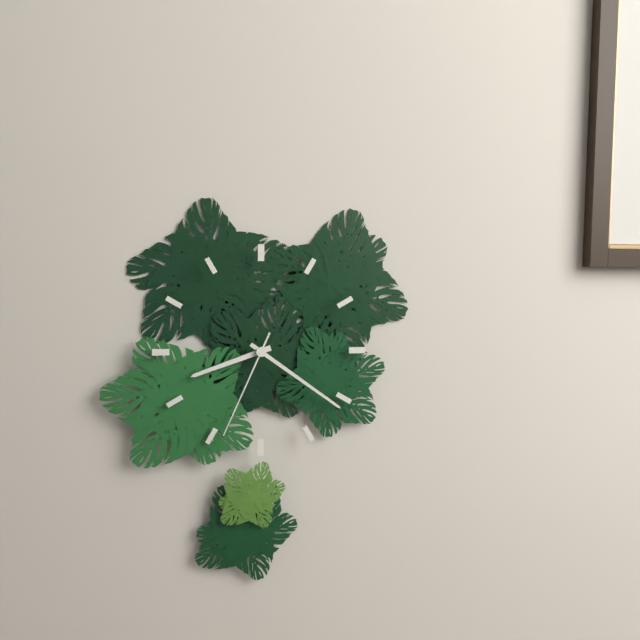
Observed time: 8h21m34s
